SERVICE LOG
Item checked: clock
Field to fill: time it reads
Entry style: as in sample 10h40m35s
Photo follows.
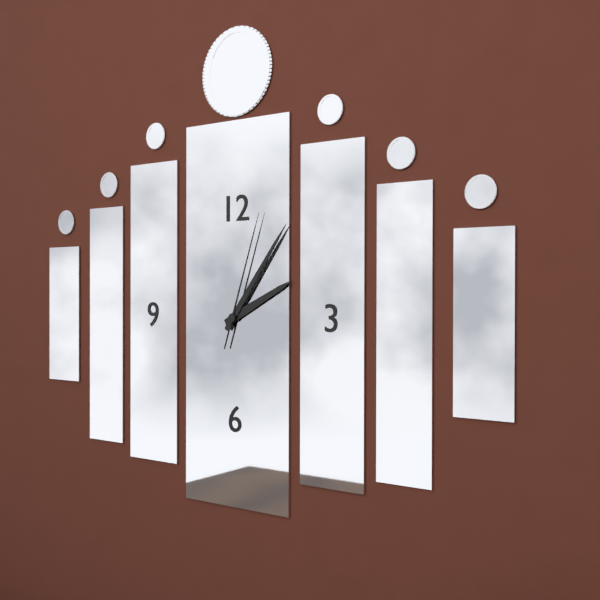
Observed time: 2h06m03s
